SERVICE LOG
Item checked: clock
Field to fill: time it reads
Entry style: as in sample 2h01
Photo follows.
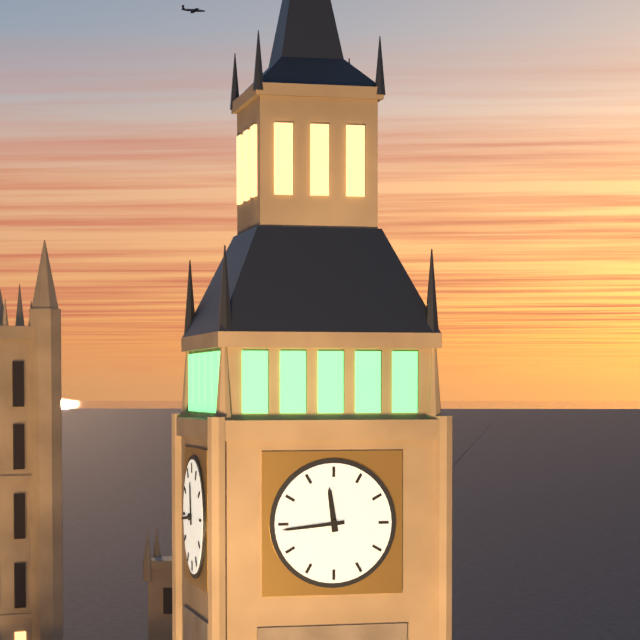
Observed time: 11h44
